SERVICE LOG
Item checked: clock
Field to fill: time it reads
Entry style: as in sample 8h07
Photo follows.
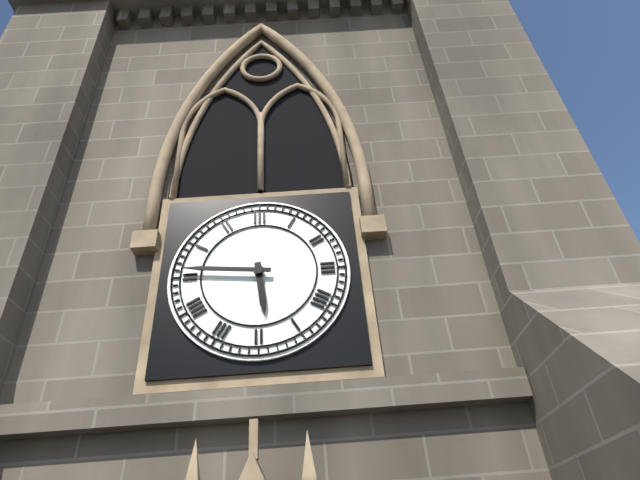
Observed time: 5h46
